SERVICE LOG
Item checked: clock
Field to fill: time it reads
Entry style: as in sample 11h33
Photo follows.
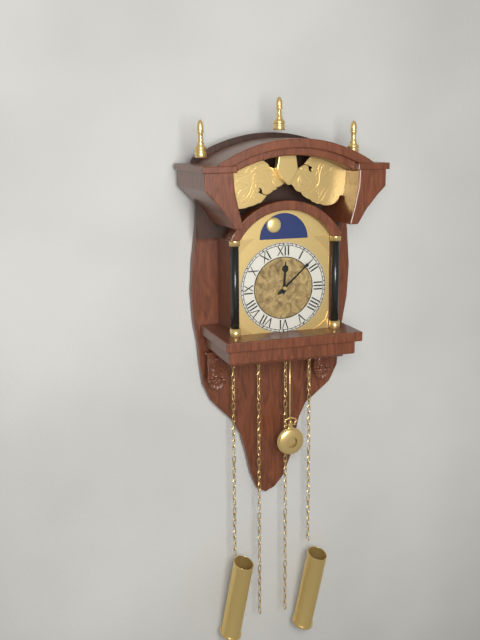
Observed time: 12h08
